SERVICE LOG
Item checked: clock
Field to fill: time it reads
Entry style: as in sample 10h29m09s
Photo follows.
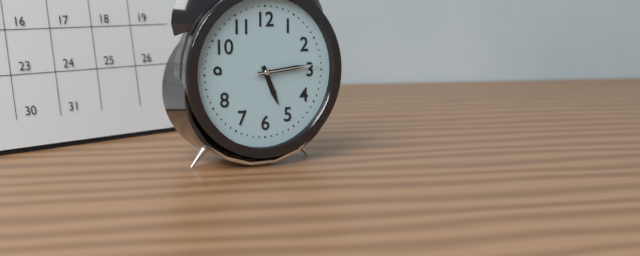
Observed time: 5h14m14s
